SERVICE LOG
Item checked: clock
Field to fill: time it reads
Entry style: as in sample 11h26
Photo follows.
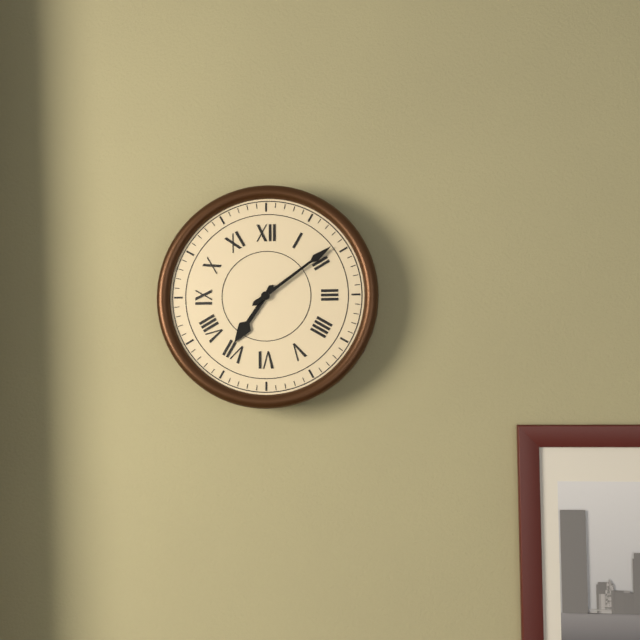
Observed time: 7h09
